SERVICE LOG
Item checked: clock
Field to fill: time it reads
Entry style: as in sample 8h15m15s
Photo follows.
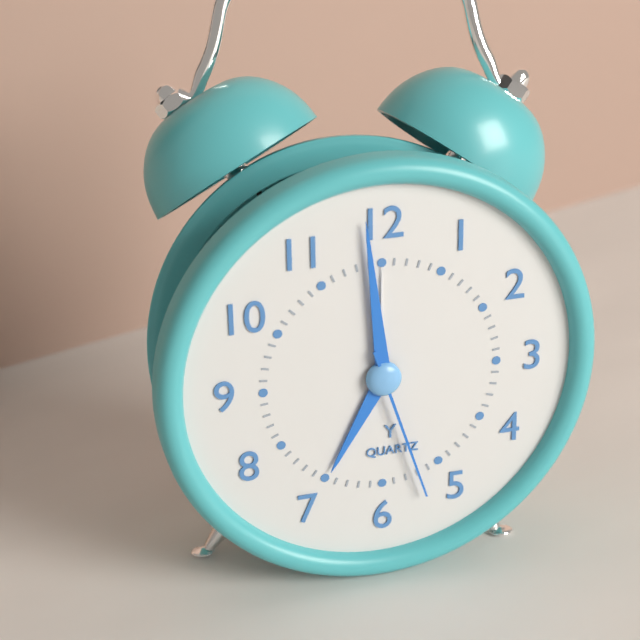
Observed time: 6h59m27s
